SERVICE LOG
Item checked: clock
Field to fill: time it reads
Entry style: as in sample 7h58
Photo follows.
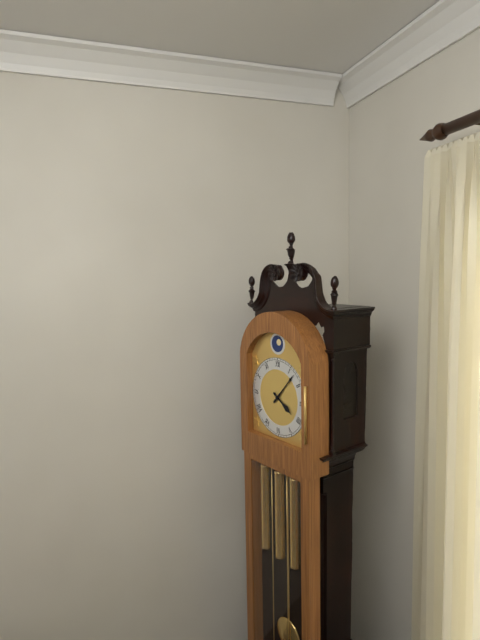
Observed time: 4h07
